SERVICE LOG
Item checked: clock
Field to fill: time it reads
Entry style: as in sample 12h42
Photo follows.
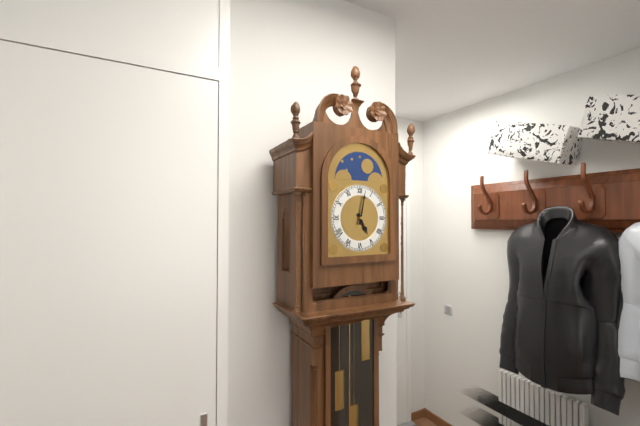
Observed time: 5h02
